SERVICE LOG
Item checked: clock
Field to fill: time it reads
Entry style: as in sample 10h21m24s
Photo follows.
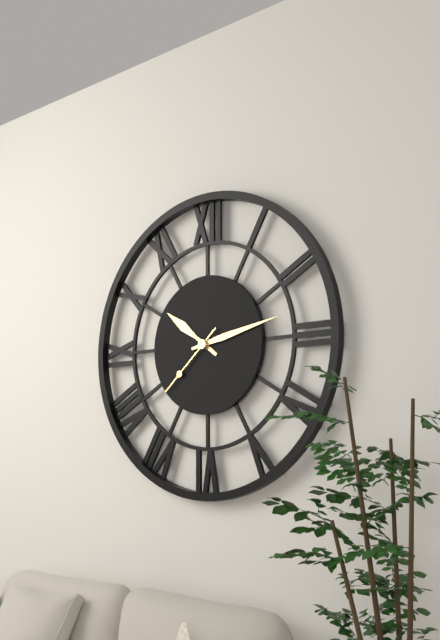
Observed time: 10h13m38s
